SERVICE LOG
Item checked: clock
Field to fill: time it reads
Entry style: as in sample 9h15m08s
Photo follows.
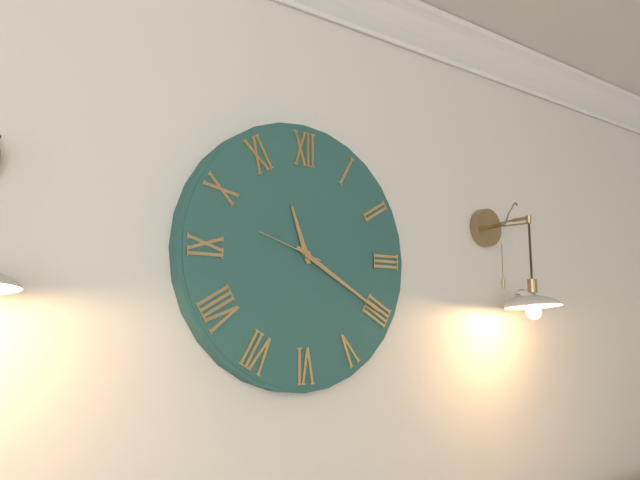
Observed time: 11h20m48s
